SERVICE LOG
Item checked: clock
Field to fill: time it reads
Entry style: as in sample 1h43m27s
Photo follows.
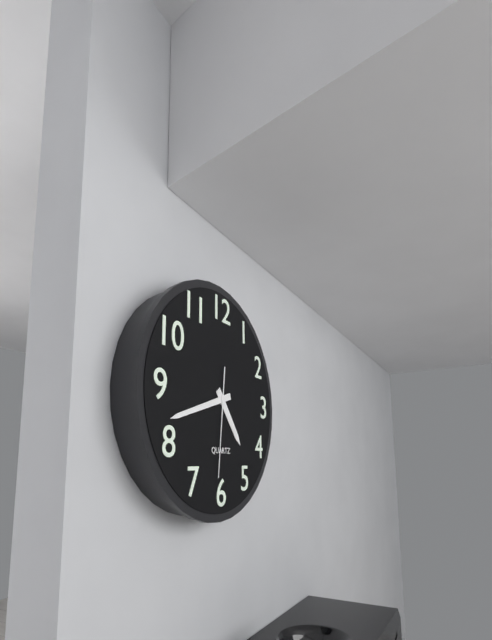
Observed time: 4h42m31s
